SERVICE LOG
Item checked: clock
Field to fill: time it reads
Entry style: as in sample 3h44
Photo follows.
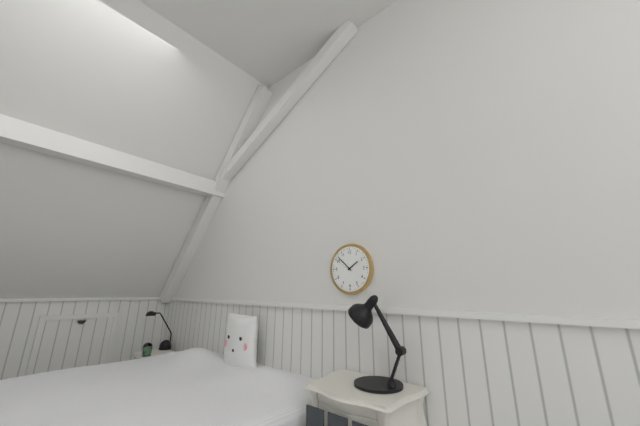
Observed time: 1h52
